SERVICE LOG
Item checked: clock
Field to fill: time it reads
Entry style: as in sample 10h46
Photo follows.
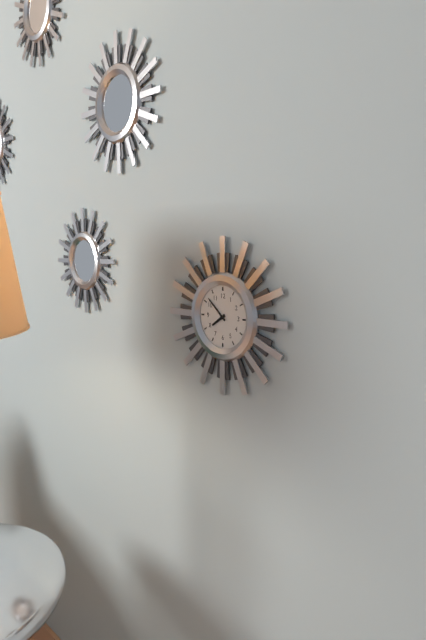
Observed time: 7h52
